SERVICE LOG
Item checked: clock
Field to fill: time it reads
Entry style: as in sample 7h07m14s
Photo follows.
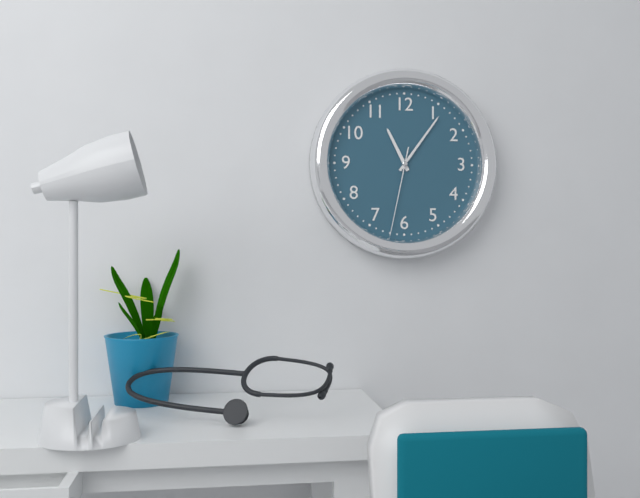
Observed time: 11h06m32s
